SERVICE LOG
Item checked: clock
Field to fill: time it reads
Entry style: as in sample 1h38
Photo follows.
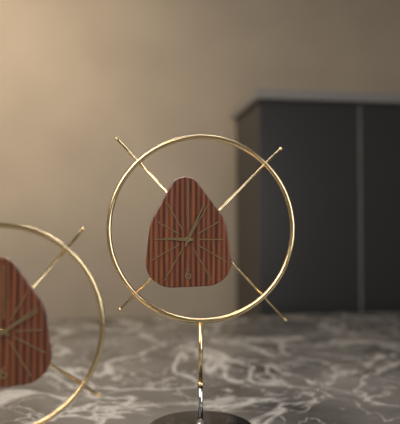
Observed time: 9h04
